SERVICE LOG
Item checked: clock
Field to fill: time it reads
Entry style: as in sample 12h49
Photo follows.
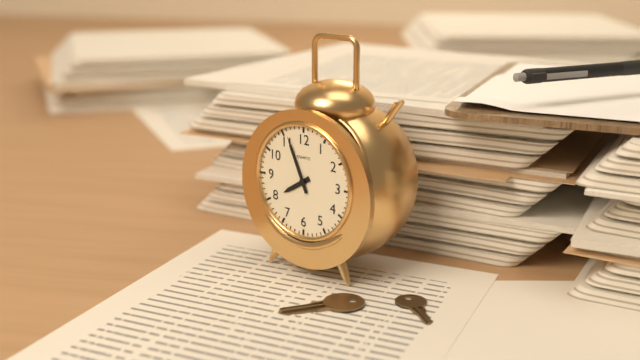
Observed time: 7h56
